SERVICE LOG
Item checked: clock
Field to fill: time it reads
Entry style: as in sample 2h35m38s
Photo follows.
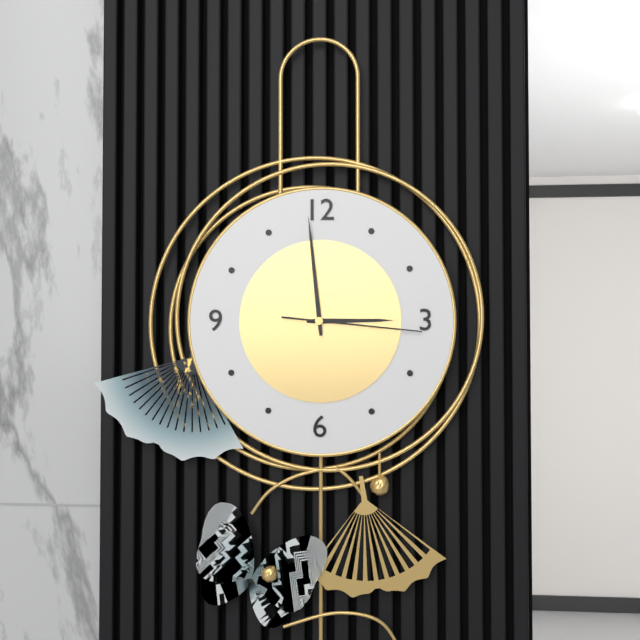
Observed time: 2h59m16s
